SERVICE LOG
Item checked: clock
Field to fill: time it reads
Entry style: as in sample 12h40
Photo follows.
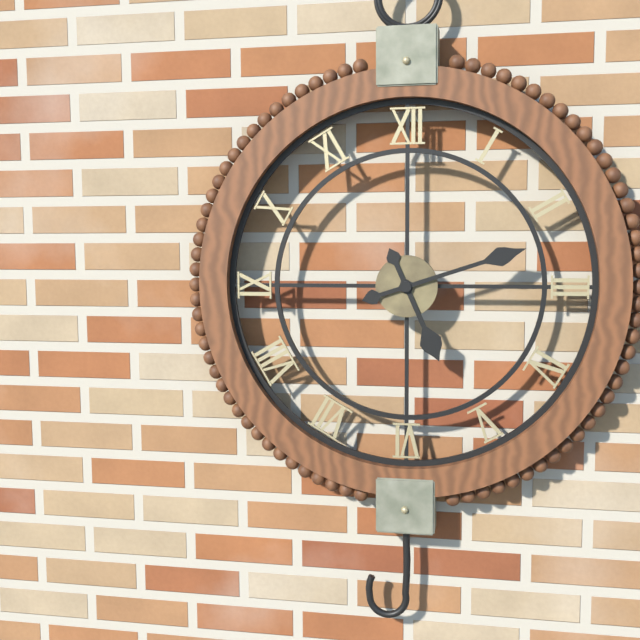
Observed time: 5h12
